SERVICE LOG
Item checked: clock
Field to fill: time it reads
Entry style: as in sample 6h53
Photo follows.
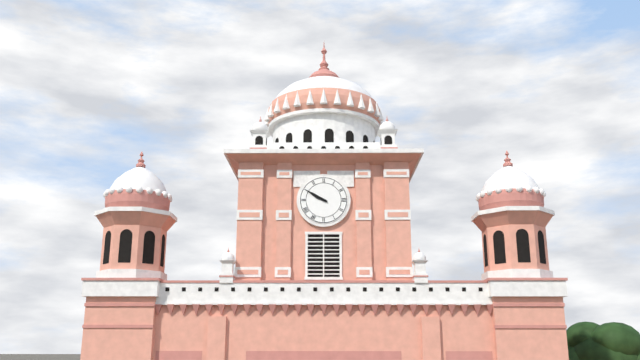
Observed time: 9h50
